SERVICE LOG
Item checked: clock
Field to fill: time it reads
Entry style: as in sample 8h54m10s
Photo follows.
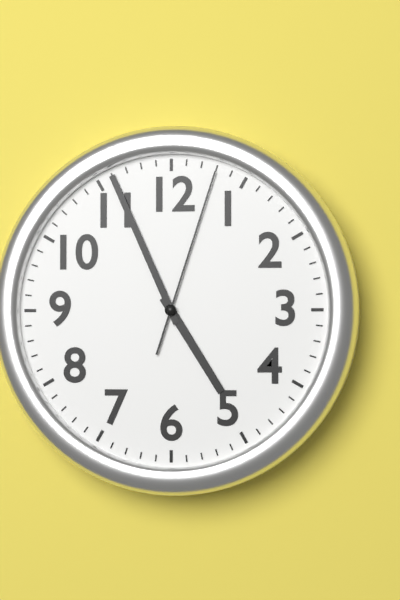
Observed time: 4h56m03s
